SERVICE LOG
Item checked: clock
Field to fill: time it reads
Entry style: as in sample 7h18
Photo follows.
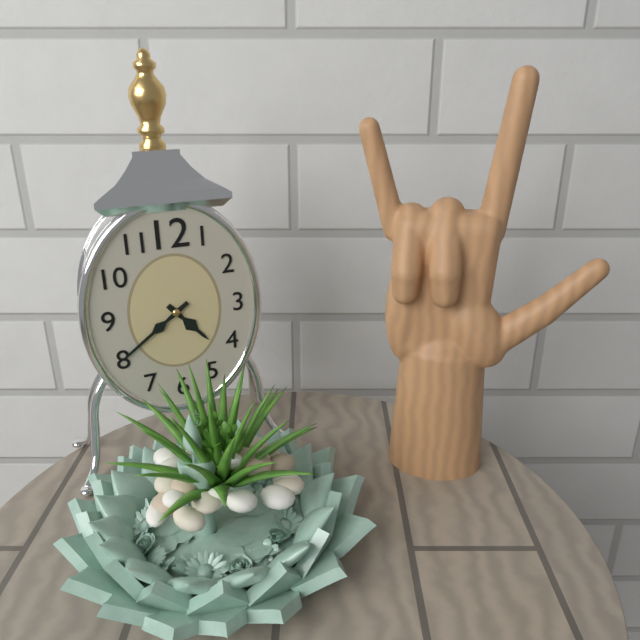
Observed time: 4h39
